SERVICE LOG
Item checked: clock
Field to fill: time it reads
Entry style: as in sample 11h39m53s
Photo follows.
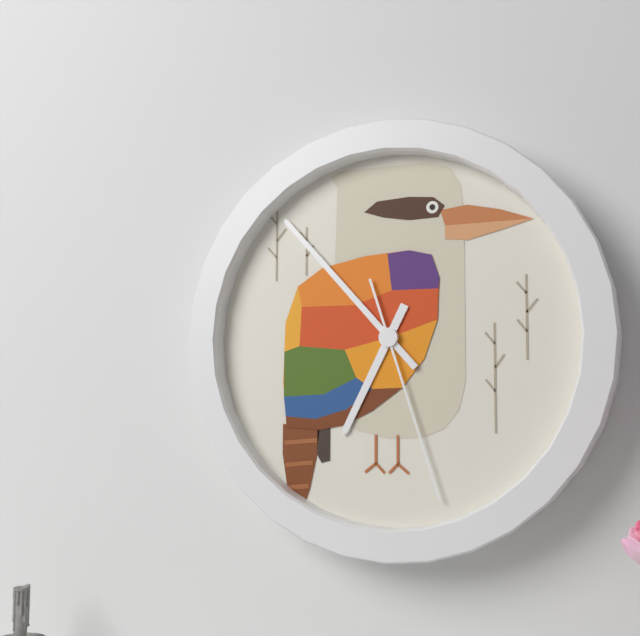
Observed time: 6h53m27s
